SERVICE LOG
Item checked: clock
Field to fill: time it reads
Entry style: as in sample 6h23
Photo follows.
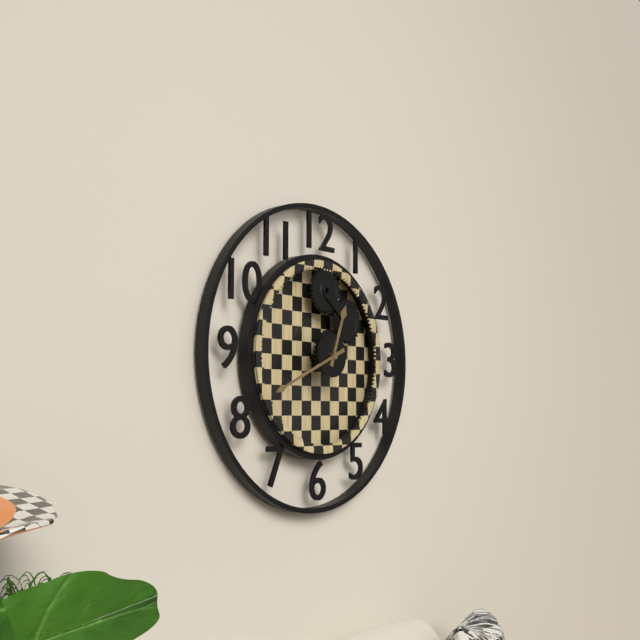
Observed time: 12h41
